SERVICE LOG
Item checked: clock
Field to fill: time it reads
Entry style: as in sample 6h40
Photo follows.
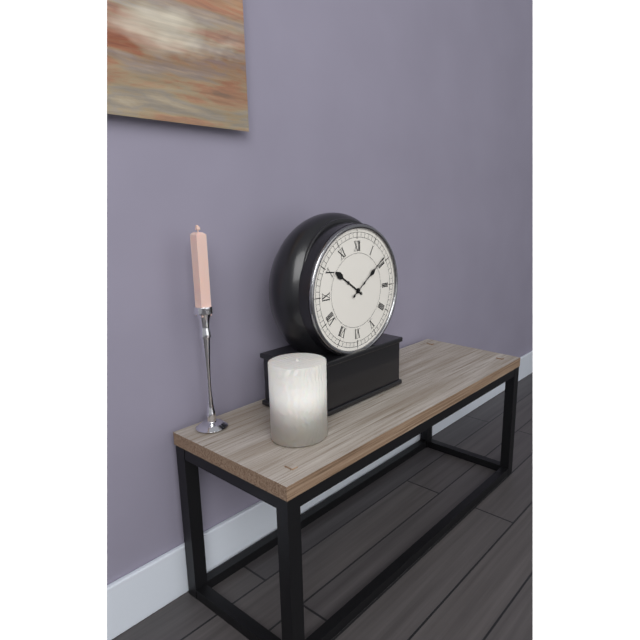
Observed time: 10h09
